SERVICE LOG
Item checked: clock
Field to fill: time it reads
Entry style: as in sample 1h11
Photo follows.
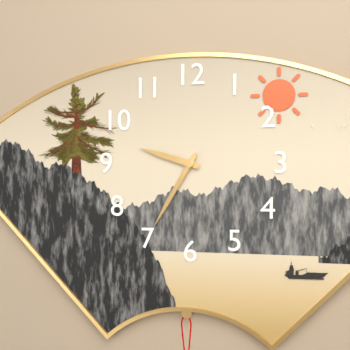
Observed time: 9h35
